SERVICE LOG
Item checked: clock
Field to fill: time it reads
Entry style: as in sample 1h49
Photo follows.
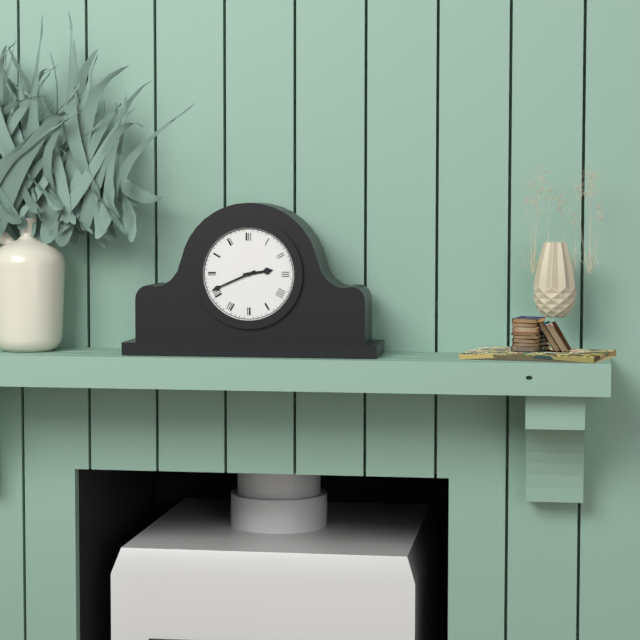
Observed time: 2h41
